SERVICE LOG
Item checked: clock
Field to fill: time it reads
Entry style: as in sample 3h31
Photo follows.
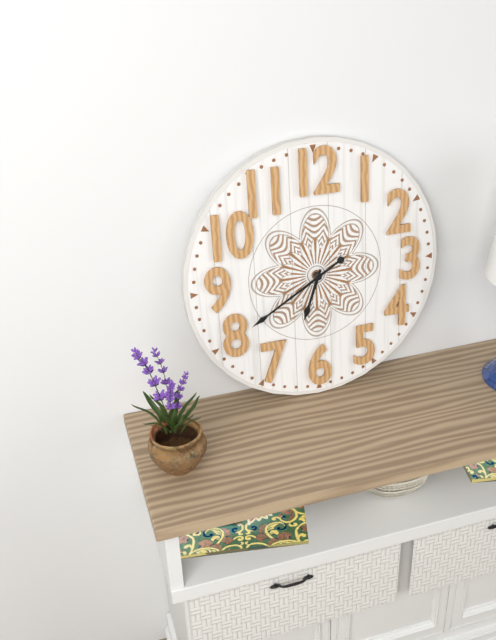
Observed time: 6h40
